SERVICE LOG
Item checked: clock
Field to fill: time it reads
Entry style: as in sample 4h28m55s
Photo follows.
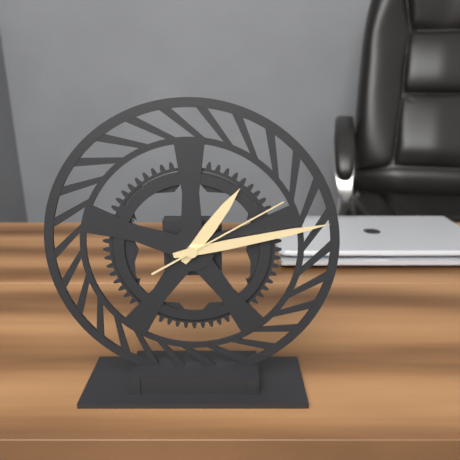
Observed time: 1h13m10s
